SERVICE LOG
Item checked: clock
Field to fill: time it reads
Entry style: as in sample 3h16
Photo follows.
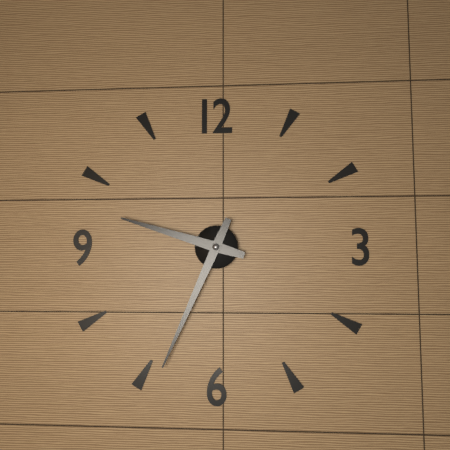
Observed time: 9h34
